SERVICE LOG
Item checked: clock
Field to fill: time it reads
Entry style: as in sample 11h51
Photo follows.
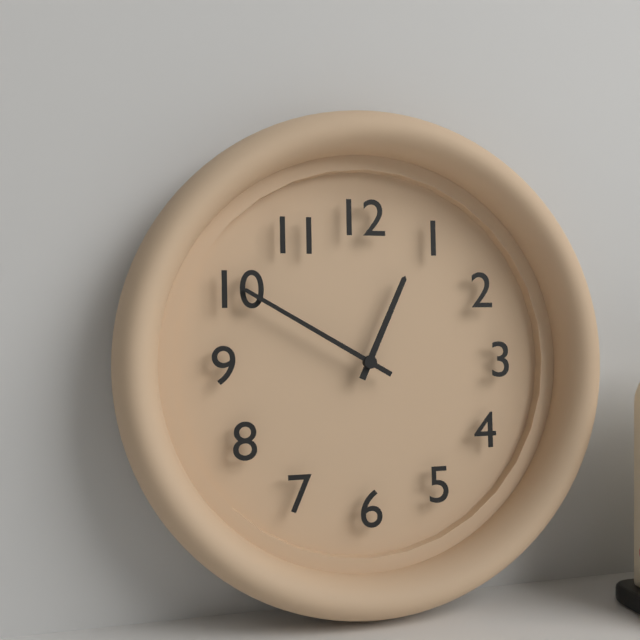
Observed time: 12h50
